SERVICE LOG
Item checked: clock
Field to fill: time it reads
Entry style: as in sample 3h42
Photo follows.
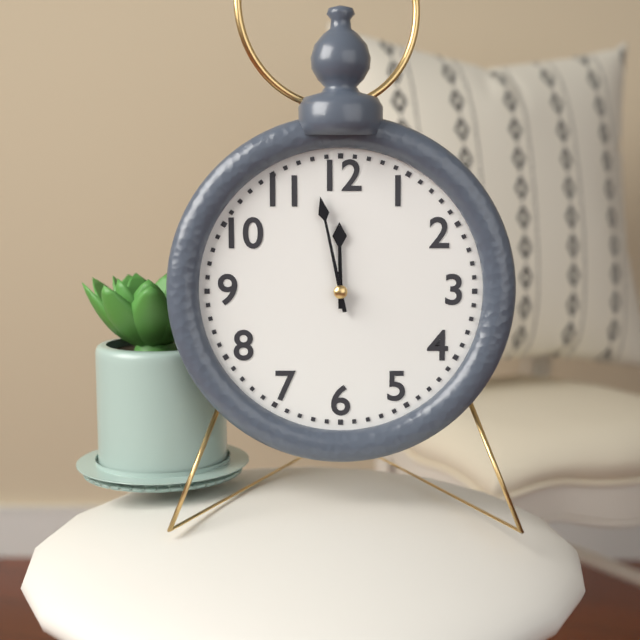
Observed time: 11h58
